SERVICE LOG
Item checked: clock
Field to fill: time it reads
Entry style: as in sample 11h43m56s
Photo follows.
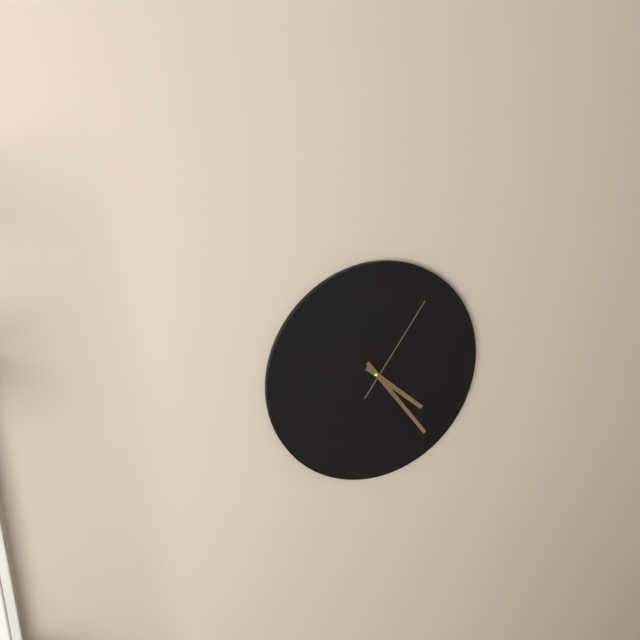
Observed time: 4h24m06s
